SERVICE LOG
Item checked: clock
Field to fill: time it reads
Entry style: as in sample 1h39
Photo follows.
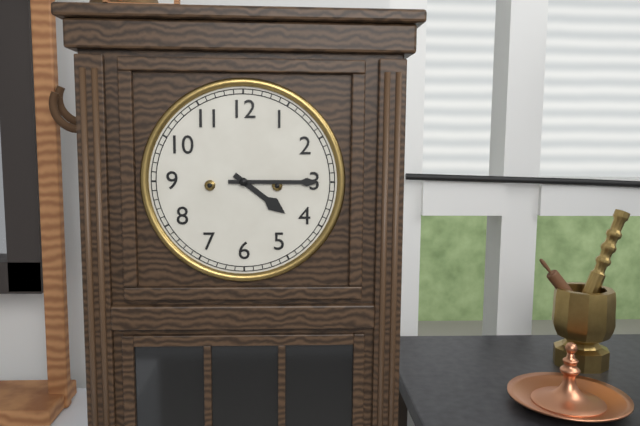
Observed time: 4h15
